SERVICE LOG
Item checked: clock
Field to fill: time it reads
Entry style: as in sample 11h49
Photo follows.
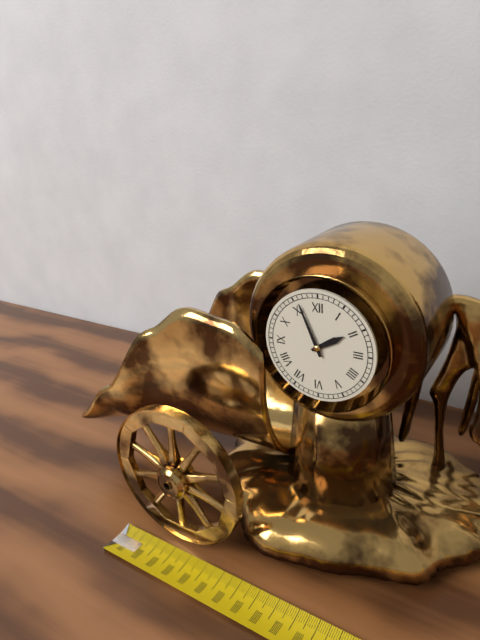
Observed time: 1h56
